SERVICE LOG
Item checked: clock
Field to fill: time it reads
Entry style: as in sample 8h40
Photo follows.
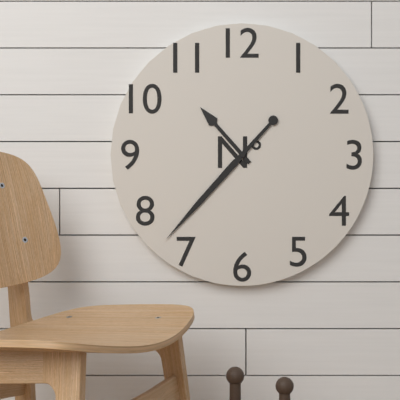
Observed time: 10h37
